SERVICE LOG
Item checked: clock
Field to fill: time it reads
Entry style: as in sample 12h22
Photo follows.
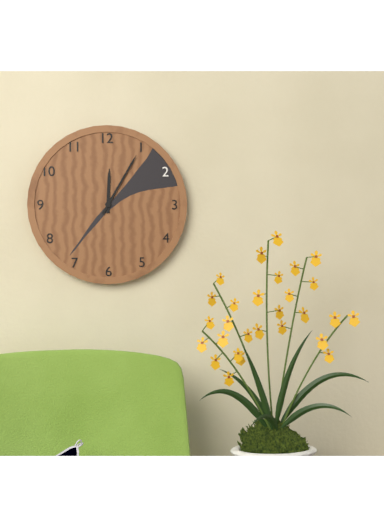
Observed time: 12h05
